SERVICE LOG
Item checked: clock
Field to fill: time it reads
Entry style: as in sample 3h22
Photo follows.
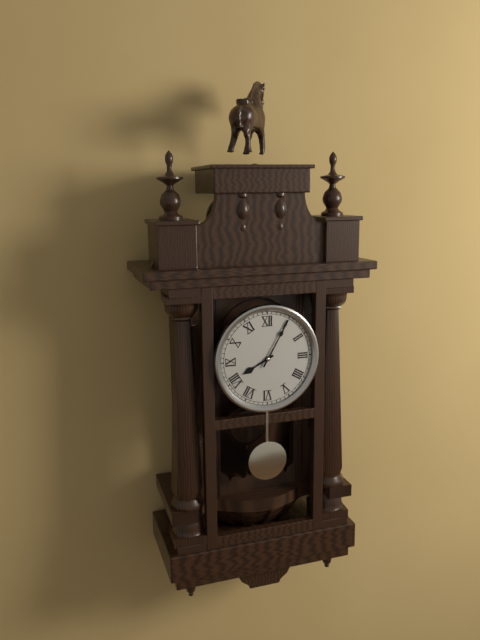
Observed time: 8h05
